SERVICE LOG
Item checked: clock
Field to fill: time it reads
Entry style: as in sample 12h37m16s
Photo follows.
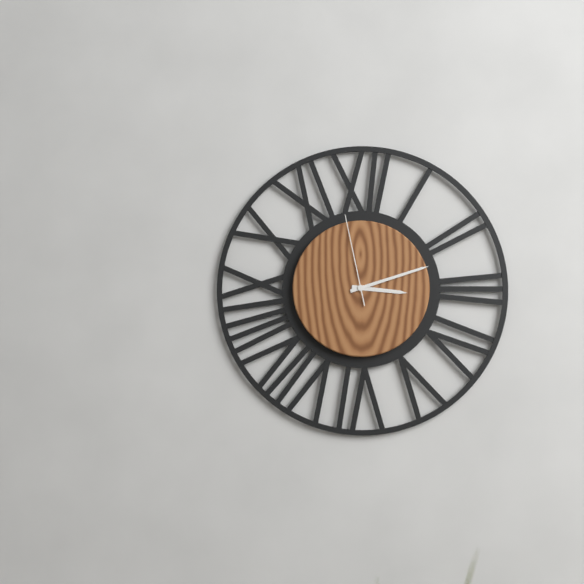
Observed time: 3h12m58s
